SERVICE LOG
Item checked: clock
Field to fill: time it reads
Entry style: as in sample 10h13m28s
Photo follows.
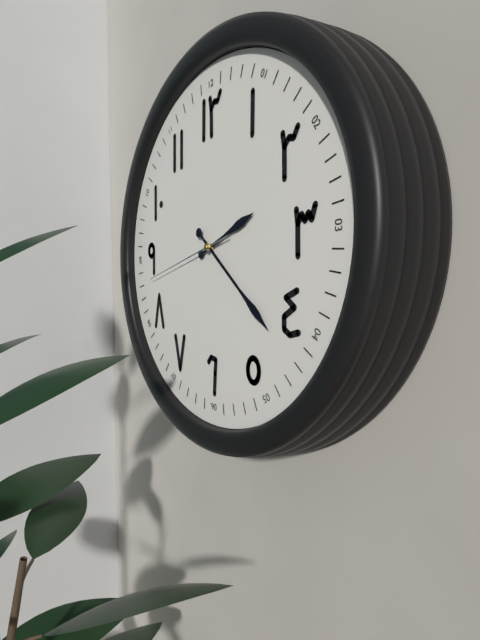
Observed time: 2h22m43s
